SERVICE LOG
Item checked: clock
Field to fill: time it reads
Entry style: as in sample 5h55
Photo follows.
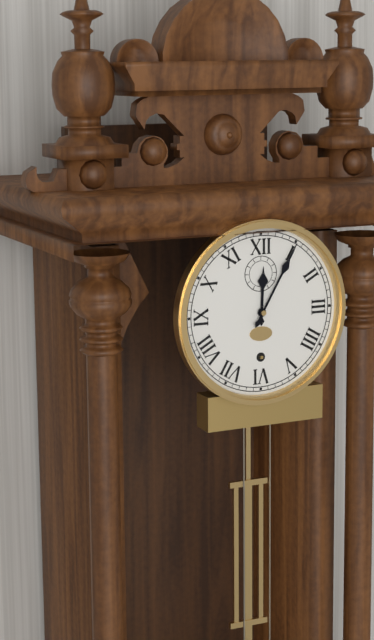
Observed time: 12h05
